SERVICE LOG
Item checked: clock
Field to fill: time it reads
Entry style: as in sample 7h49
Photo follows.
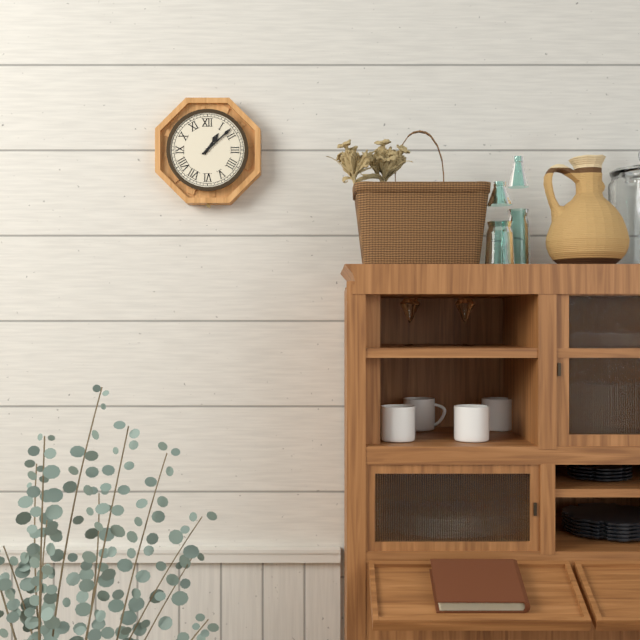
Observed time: 1h08
